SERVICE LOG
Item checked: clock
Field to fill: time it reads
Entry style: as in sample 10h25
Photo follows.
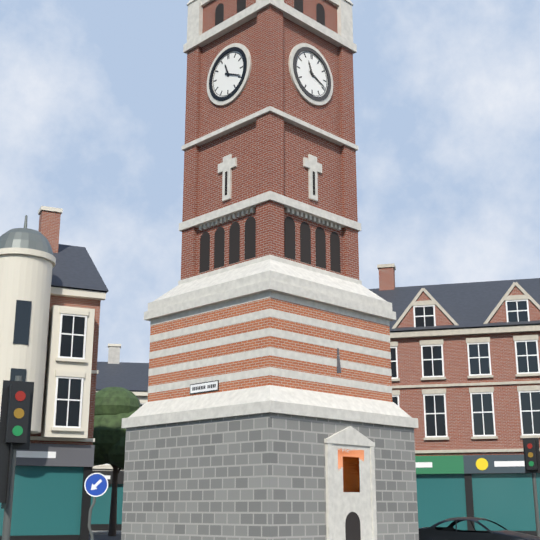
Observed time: 11h19
